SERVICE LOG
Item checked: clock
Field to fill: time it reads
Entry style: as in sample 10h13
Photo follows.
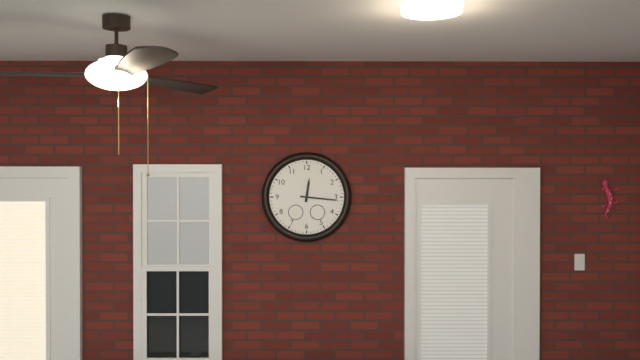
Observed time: 12h16
